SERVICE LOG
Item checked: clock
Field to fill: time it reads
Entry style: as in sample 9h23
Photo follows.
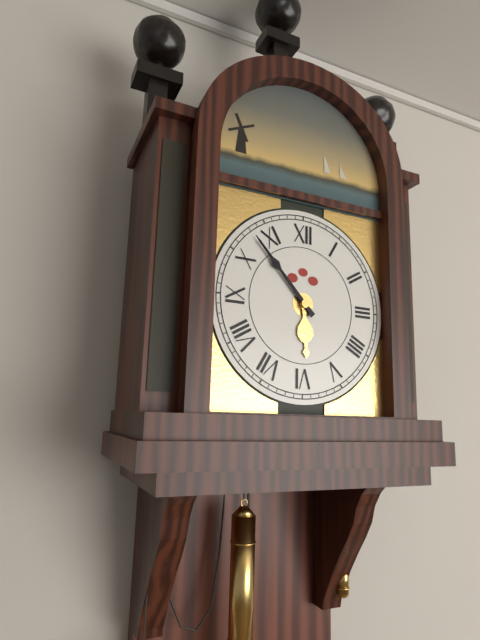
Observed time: 5h53
